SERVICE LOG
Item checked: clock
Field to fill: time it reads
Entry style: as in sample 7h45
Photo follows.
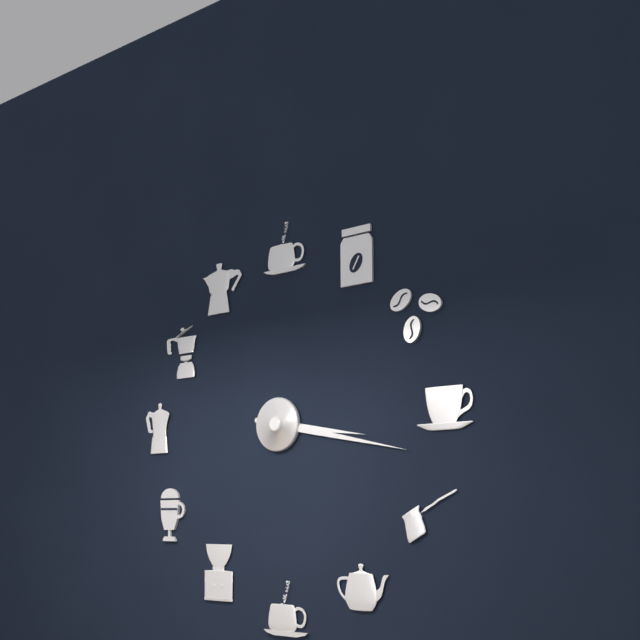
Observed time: 3h17
